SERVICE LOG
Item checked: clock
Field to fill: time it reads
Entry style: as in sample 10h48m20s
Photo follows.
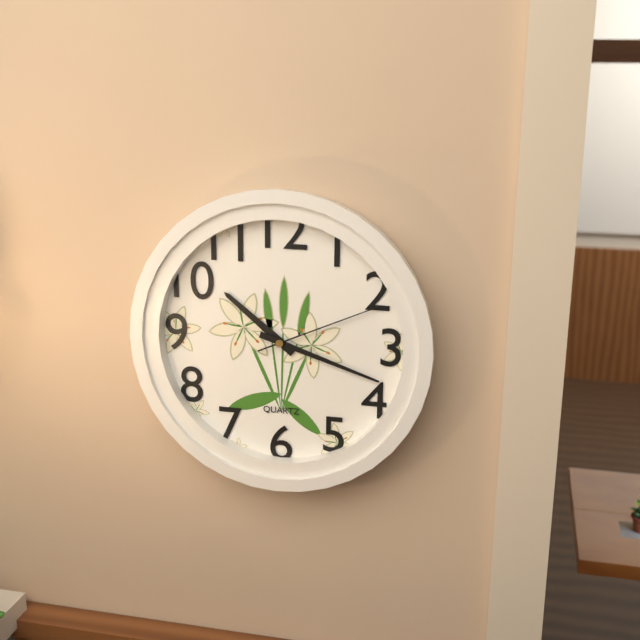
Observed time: 10h18m11s
